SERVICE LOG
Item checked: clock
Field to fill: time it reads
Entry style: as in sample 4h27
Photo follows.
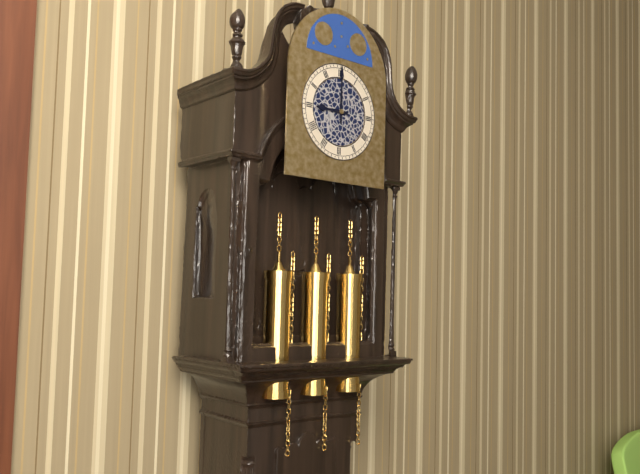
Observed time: 9h00
